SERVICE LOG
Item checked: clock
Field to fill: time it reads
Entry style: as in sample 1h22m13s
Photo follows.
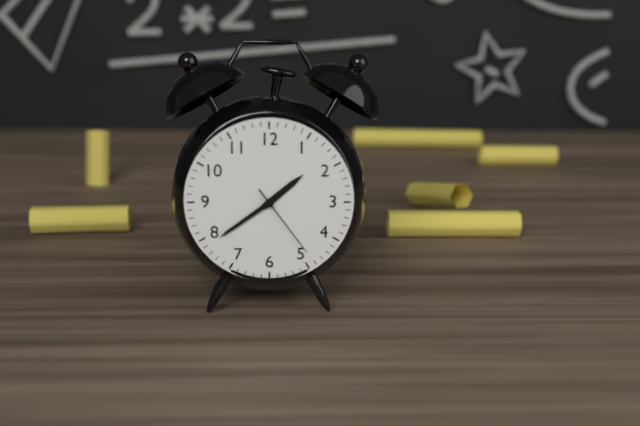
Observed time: 1h39m24s
